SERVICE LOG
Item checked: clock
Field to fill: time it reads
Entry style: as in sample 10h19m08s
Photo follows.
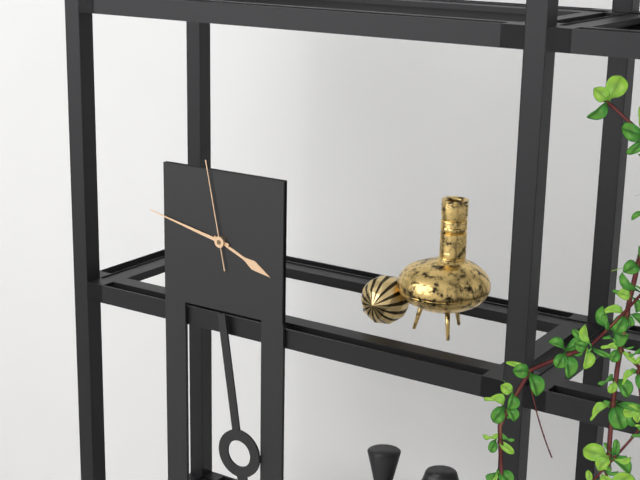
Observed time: 3h47m58s
